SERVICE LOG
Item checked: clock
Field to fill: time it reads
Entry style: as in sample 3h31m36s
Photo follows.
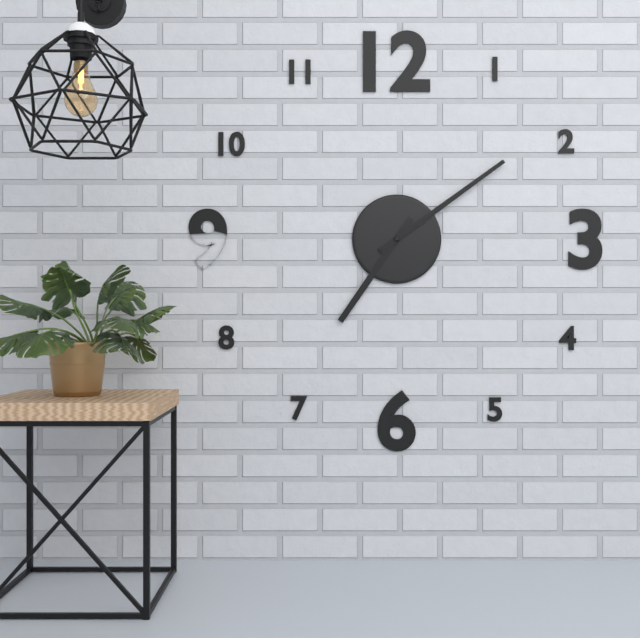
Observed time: 7h09m09s
